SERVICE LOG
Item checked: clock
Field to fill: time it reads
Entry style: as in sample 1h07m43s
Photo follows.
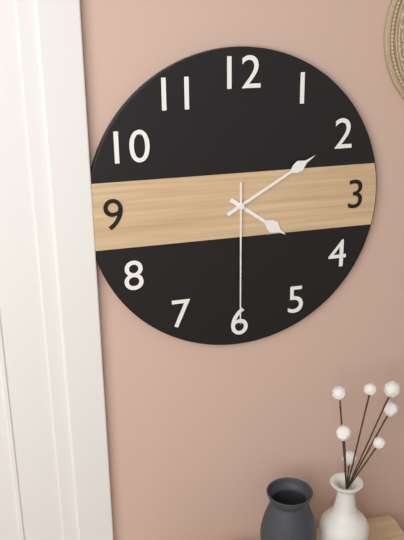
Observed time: 4h10m30s
